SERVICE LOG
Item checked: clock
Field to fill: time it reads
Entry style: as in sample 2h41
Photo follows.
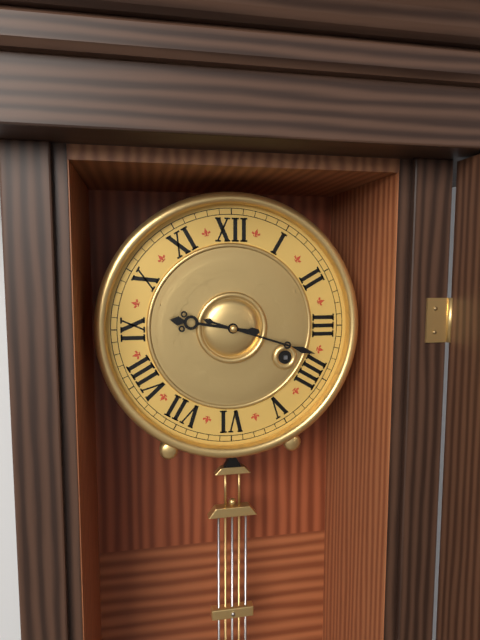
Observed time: 9h18
